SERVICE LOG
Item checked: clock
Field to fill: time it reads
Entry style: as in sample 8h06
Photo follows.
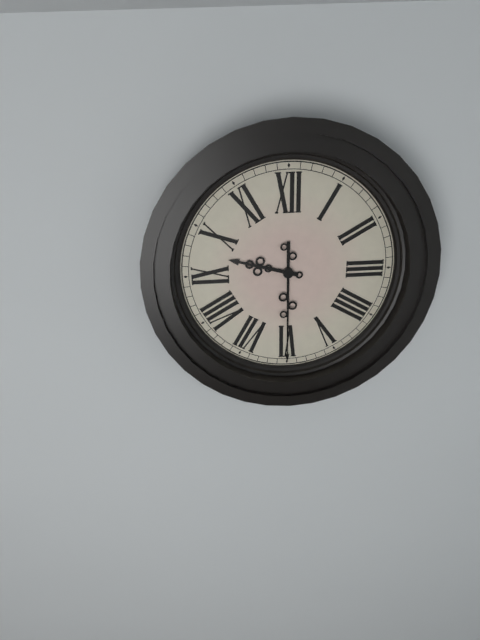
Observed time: 9h30
